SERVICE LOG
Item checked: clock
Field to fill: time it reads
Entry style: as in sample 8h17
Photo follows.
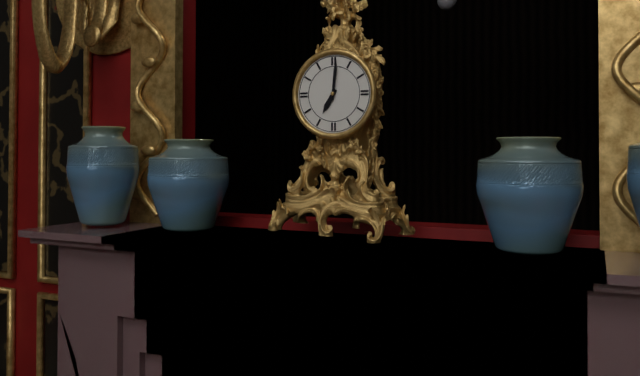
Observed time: 7h01
